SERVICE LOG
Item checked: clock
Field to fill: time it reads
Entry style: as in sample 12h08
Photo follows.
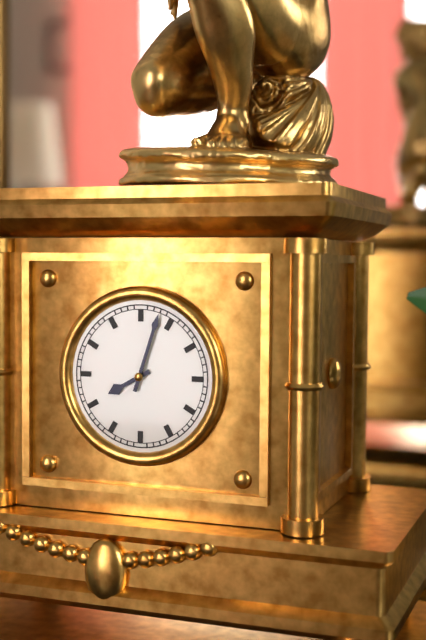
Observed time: 8h03
